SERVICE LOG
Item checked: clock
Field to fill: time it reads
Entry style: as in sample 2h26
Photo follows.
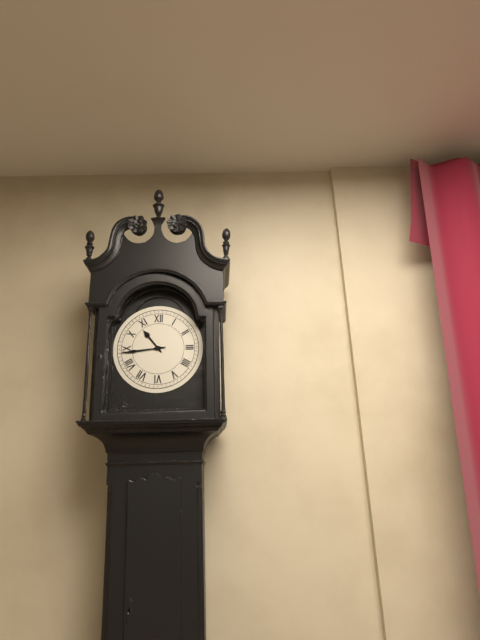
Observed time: 10h44
